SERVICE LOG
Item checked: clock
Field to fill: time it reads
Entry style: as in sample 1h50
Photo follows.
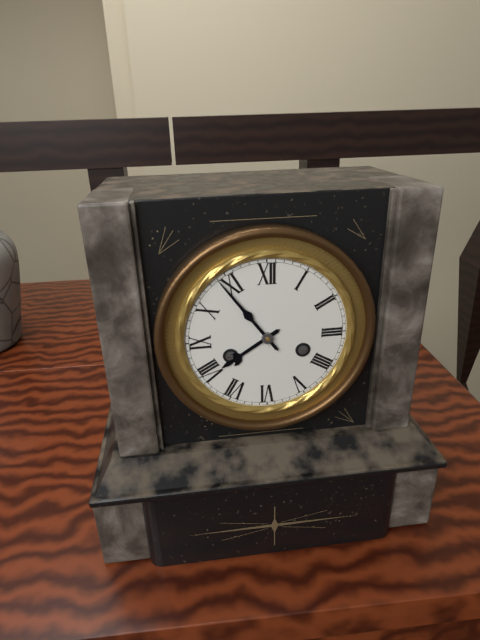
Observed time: 7h54
